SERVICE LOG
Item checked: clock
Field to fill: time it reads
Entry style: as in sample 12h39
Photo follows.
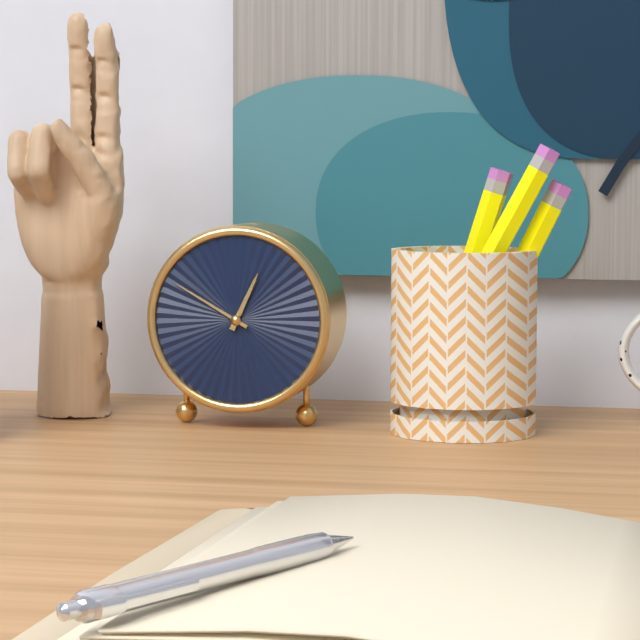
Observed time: 12h50
